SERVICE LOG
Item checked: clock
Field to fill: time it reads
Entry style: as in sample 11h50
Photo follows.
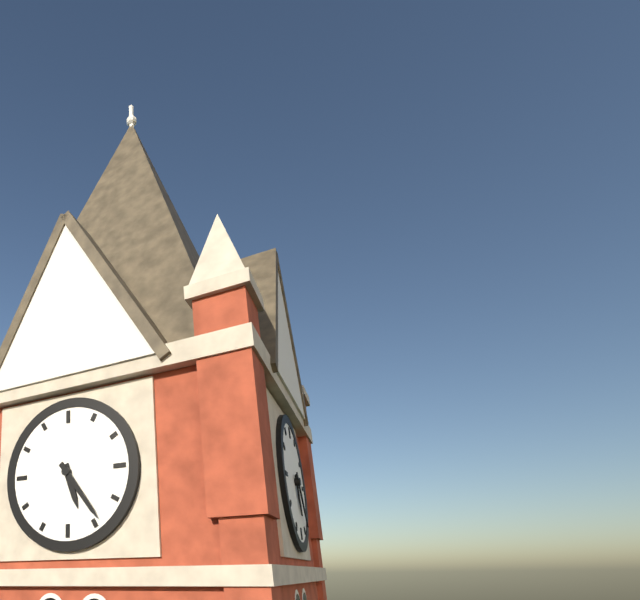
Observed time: 5h24
